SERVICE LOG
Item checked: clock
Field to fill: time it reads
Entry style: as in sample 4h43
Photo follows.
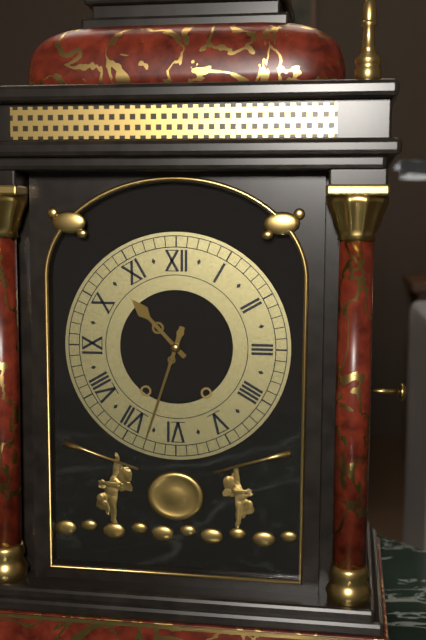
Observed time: 10h33
